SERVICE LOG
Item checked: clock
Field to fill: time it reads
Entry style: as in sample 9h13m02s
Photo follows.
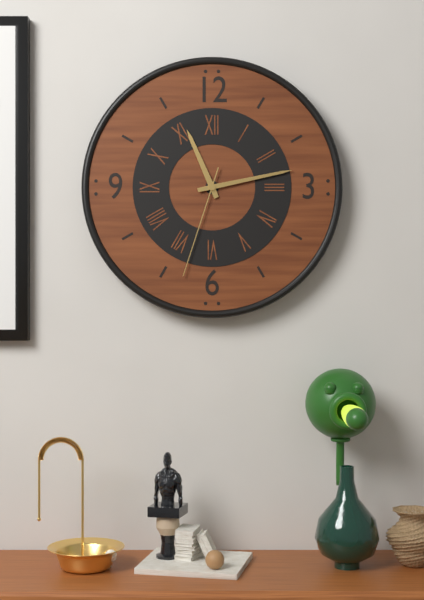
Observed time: 11h13m33s
